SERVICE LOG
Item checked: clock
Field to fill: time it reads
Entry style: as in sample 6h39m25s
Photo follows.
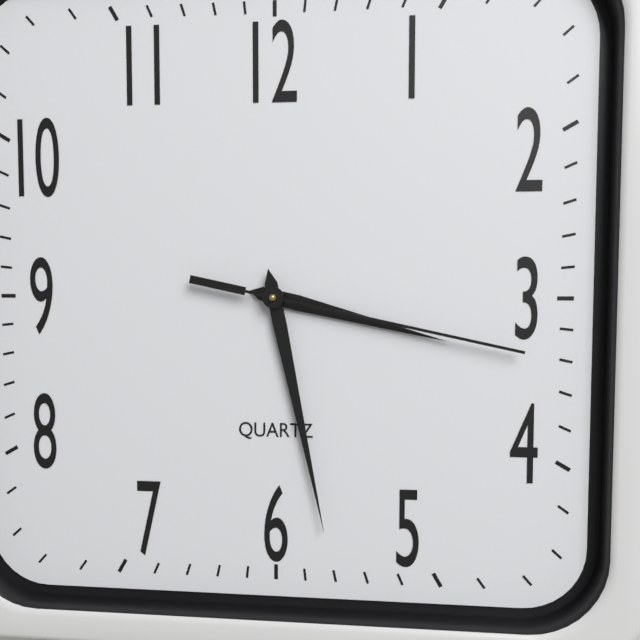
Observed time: 3h28m17s
